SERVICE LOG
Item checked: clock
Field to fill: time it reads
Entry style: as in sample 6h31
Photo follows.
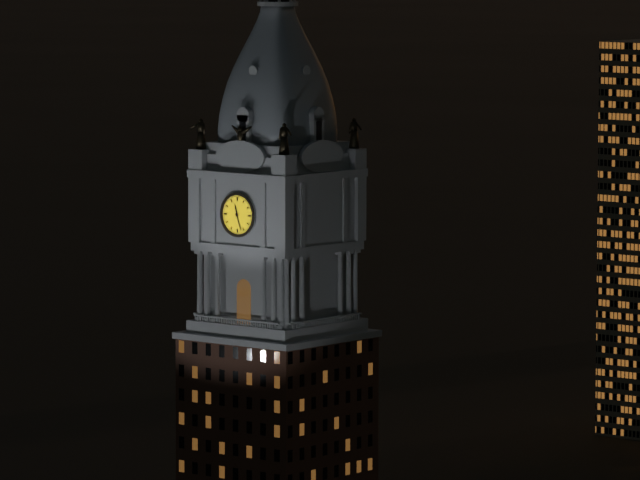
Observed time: 11h27
